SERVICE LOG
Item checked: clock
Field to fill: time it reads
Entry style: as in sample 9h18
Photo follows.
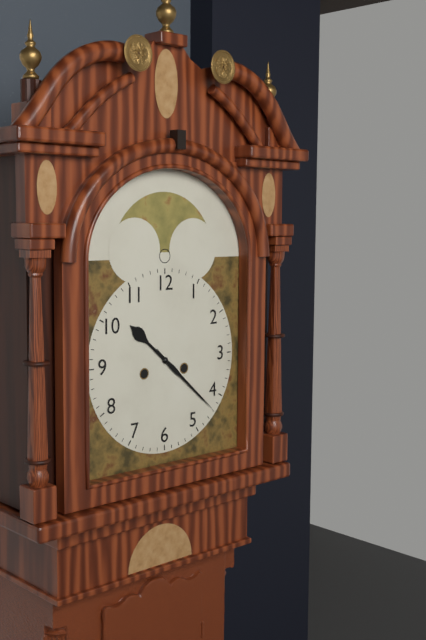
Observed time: 10h22
